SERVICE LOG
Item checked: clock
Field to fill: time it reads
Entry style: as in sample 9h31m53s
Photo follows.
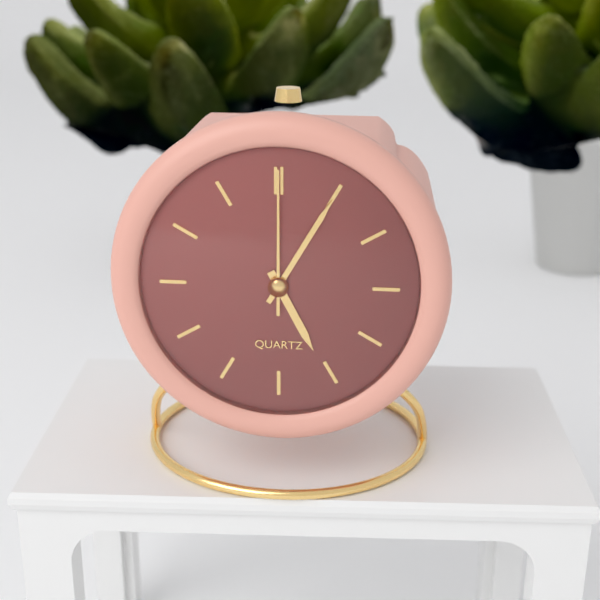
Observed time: 5h05m00s
